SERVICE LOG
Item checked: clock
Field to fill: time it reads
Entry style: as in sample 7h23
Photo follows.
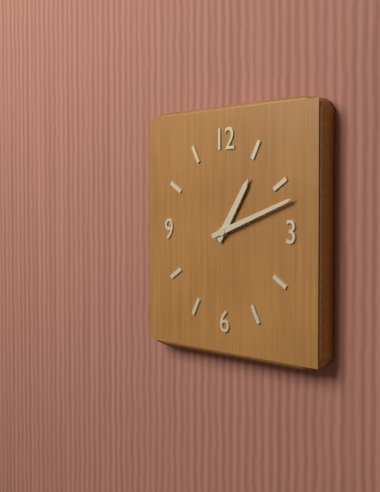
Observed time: 1h12
